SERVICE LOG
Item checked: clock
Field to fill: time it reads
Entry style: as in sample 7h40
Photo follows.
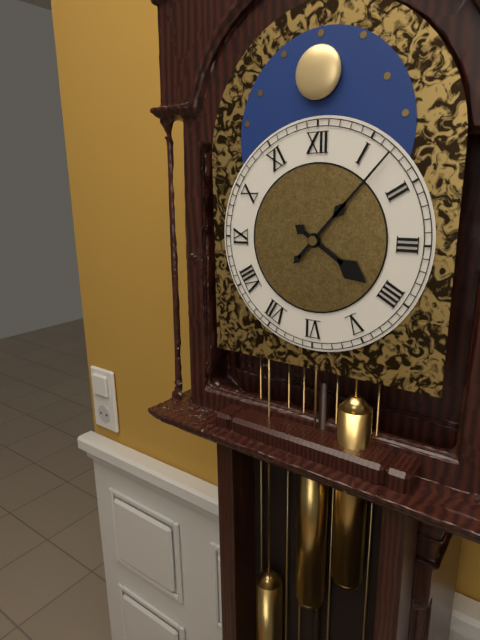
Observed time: 4h07
